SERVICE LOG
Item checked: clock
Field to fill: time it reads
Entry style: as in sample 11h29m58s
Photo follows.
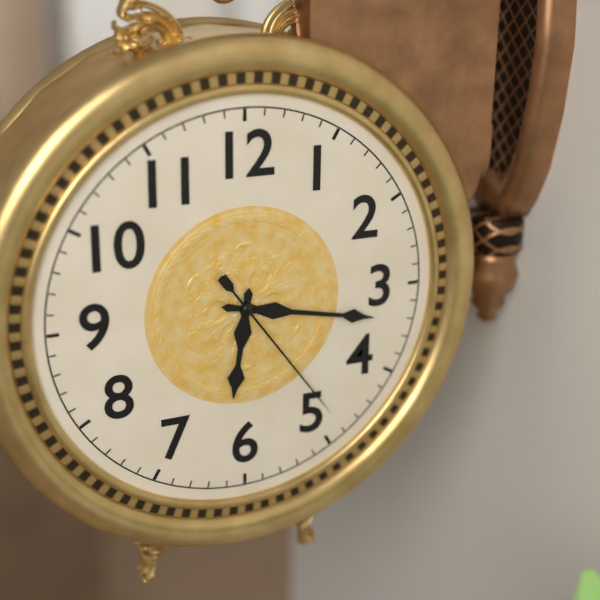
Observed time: 6h17m24s
